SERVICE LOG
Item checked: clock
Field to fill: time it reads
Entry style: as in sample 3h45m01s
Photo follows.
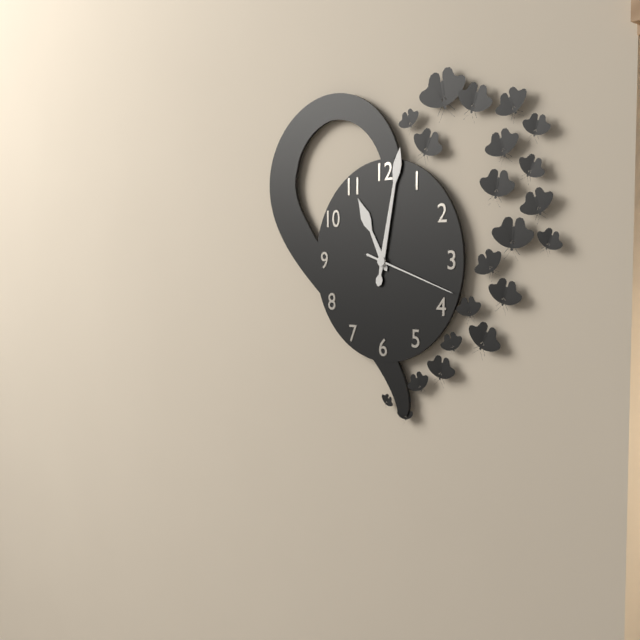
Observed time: 11h02m18s
